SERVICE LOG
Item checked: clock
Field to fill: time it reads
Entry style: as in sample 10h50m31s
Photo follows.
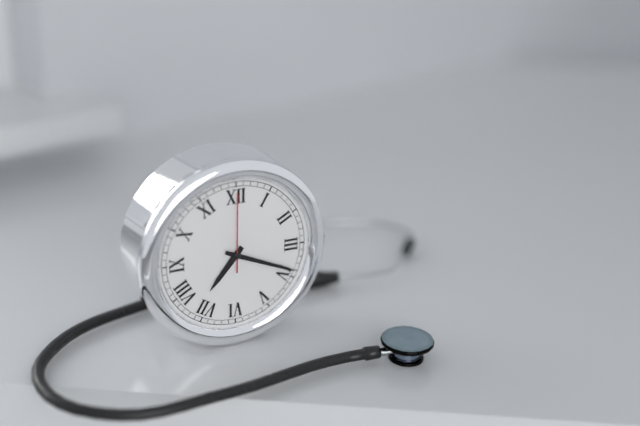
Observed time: 7h19m00s
